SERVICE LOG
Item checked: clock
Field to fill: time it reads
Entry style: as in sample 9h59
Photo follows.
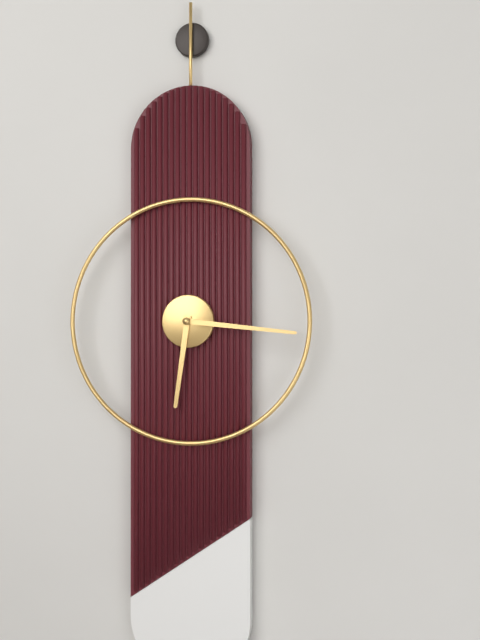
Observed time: 6h16
